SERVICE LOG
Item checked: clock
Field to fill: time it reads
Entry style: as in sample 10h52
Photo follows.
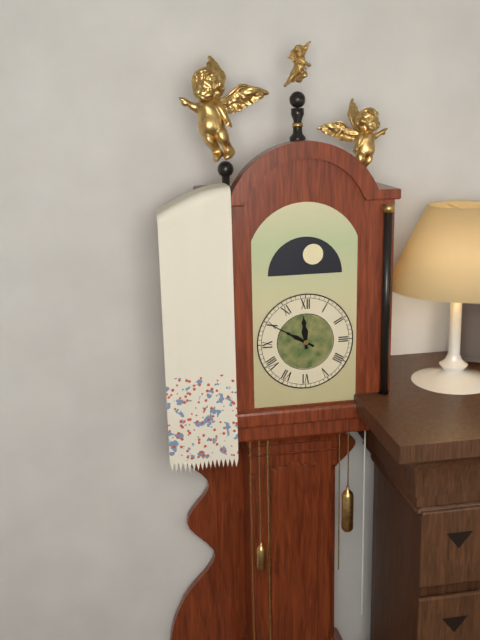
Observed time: 11h50
